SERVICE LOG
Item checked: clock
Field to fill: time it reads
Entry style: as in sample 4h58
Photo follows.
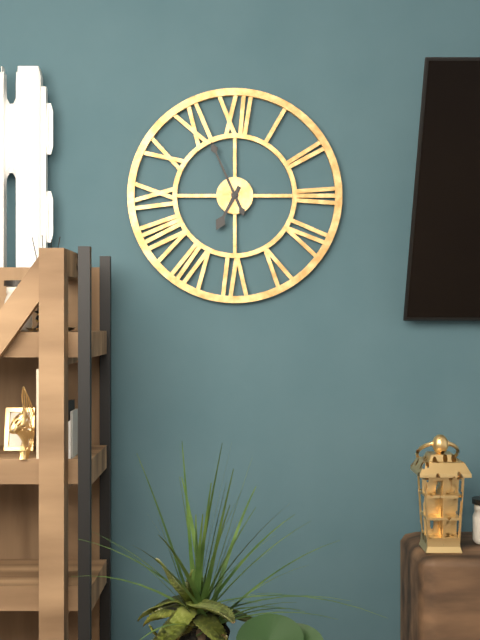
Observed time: 6h56
